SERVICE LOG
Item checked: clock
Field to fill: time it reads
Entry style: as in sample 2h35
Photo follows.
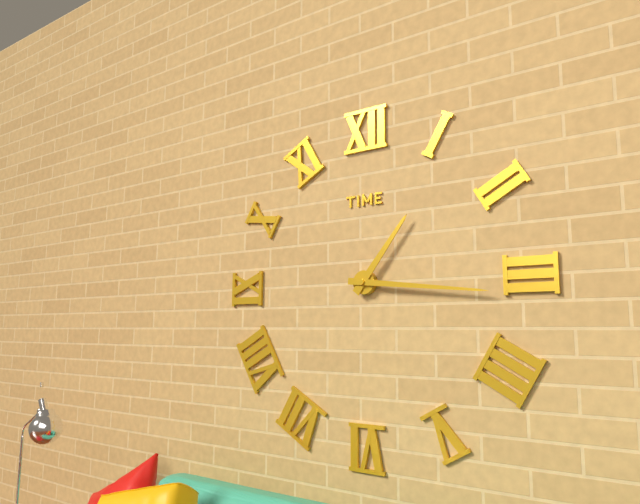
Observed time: 1h16
